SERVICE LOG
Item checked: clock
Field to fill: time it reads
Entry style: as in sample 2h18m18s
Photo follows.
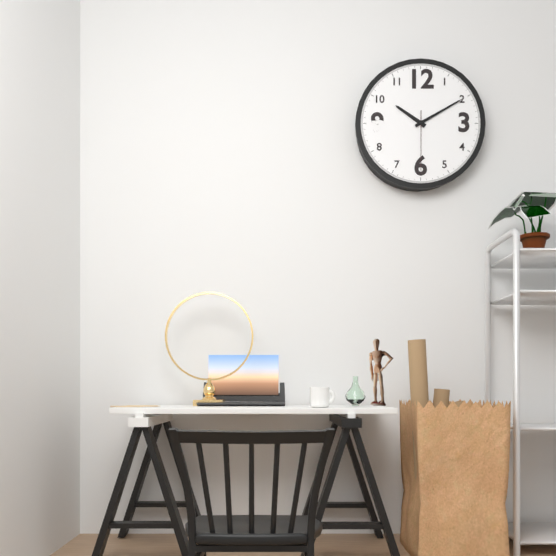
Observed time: 10h10m30s
